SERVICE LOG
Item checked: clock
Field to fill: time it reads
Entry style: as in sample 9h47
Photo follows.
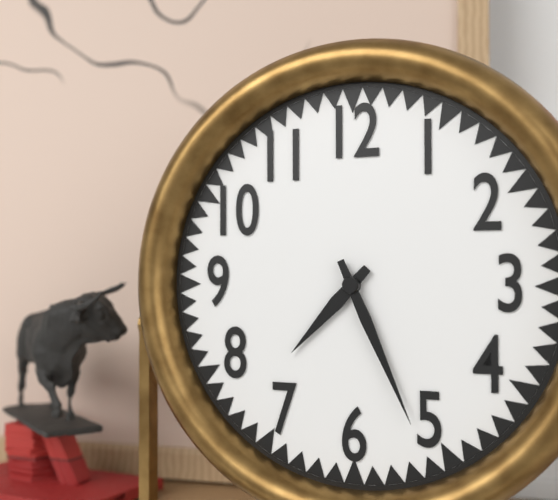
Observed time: 7h26
